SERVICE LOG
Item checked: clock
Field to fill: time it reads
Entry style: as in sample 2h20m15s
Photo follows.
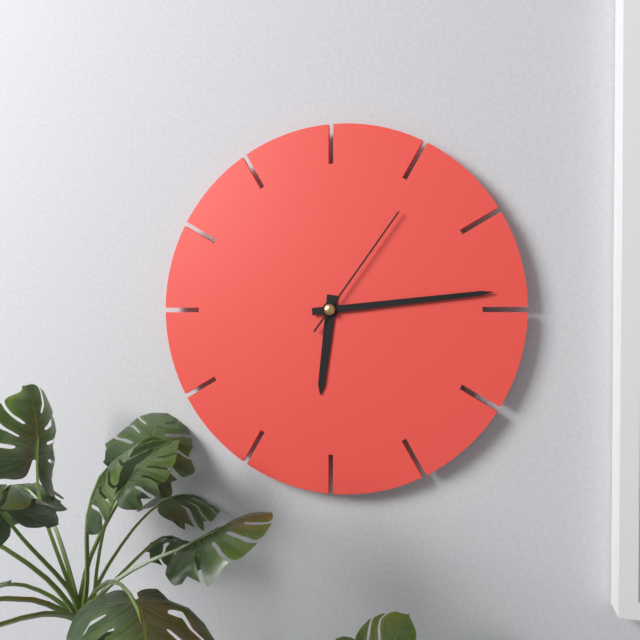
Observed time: 6h14m06s
